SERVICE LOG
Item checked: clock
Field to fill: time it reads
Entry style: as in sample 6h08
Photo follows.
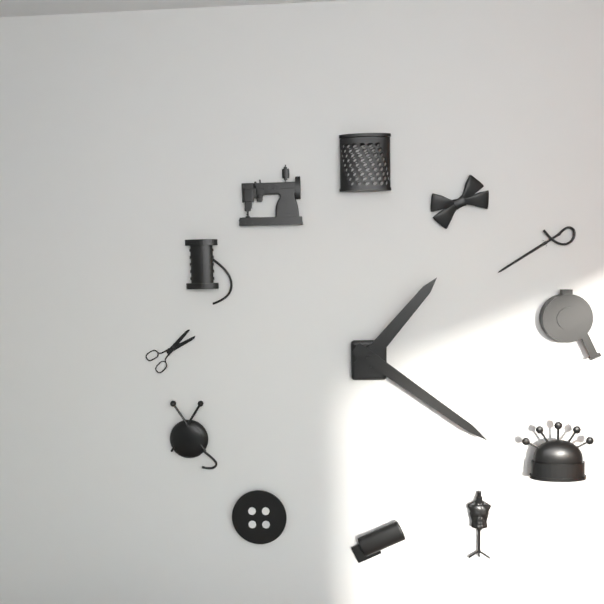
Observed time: 1h21
